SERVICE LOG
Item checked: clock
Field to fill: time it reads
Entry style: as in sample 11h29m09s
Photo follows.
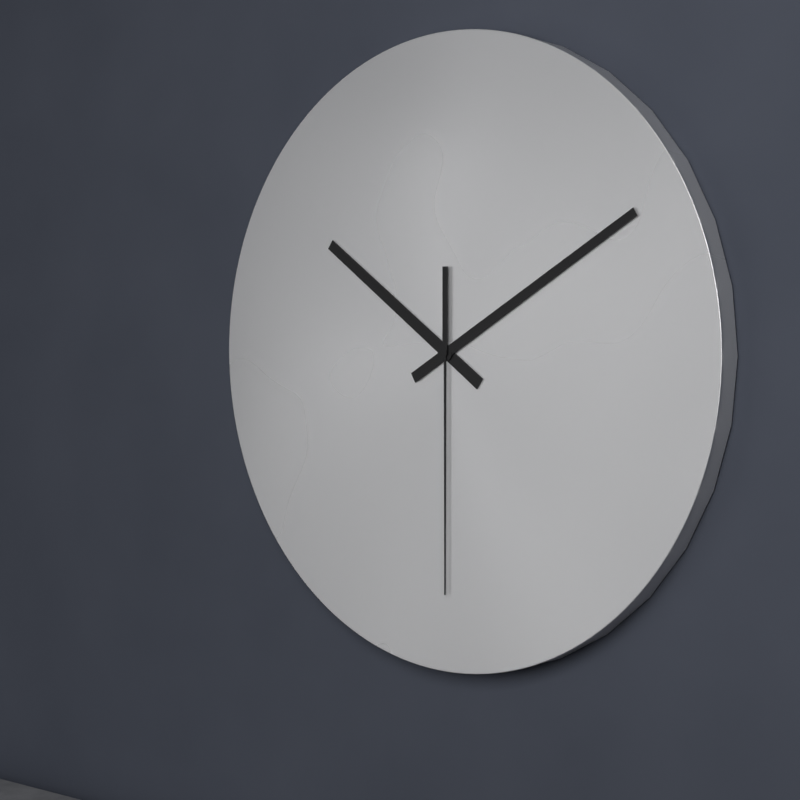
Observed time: 10h10m30s
